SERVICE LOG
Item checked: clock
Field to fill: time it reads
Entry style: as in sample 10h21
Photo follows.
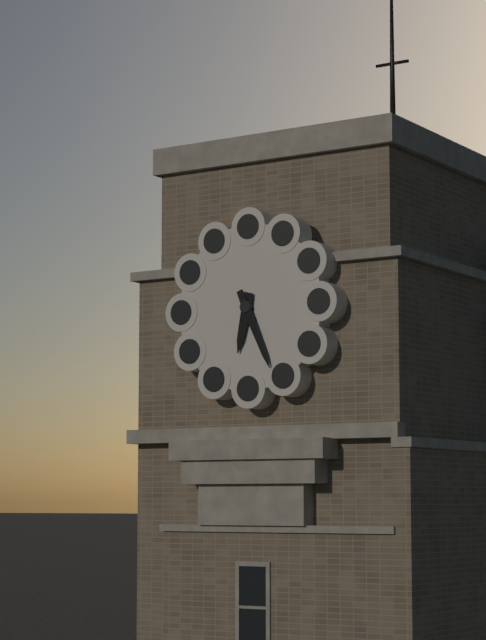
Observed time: 6h26
